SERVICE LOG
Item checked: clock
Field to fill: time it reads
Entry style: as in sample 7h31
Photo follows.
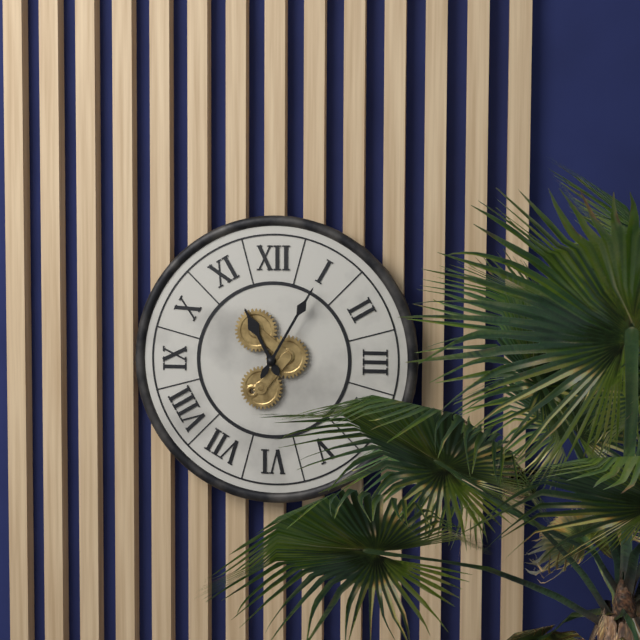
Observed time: 11h05
